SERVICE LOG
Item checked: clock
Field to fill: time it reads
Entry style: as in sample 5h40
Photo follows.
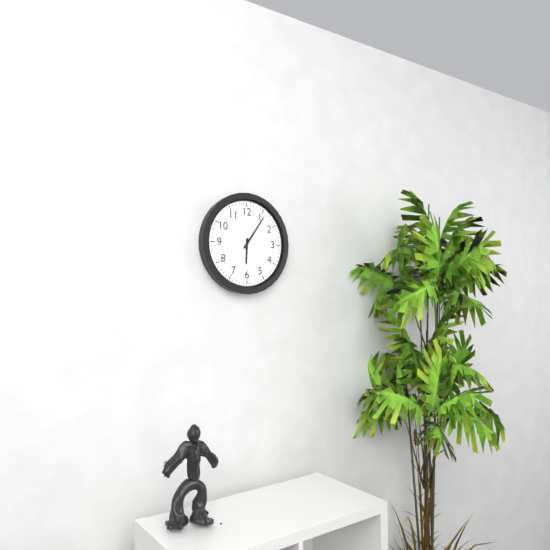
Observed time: 6h06
